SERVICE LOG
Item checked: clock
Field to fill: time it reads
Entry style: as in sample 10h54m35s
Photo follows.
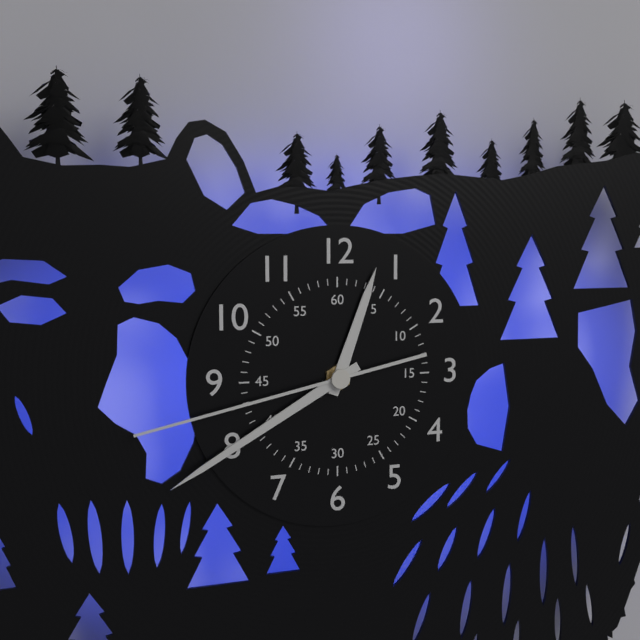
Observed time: 12h40m43s
